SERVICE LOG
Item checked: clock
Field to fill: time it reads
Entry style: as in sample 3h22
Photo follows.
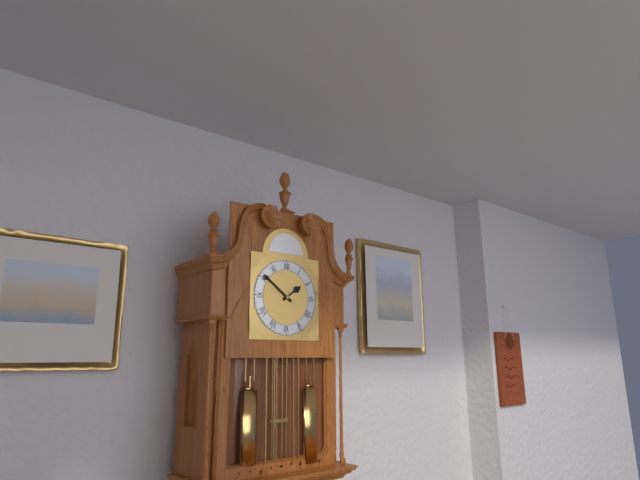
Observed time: 1h51
